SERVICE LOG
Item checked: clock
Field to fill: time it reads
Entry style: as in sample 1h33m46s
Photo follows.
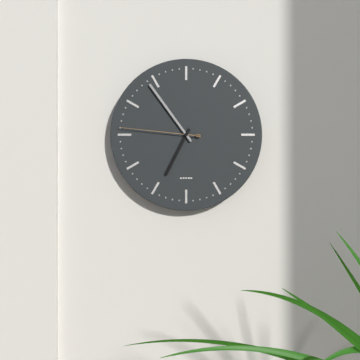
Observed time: 6h54m46s
